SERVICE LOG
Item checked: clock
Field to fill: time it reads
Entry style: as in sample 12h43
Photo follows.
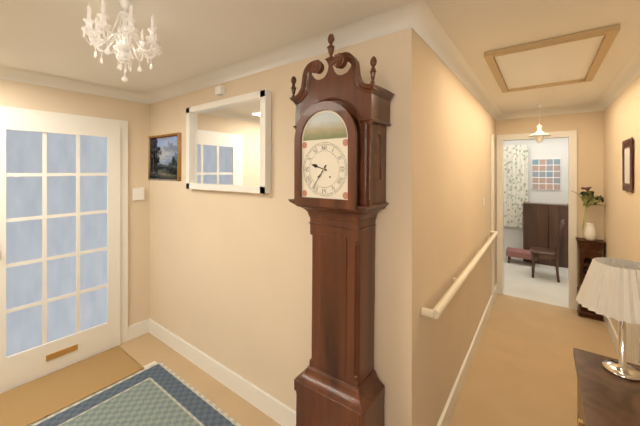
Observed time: 9h36
